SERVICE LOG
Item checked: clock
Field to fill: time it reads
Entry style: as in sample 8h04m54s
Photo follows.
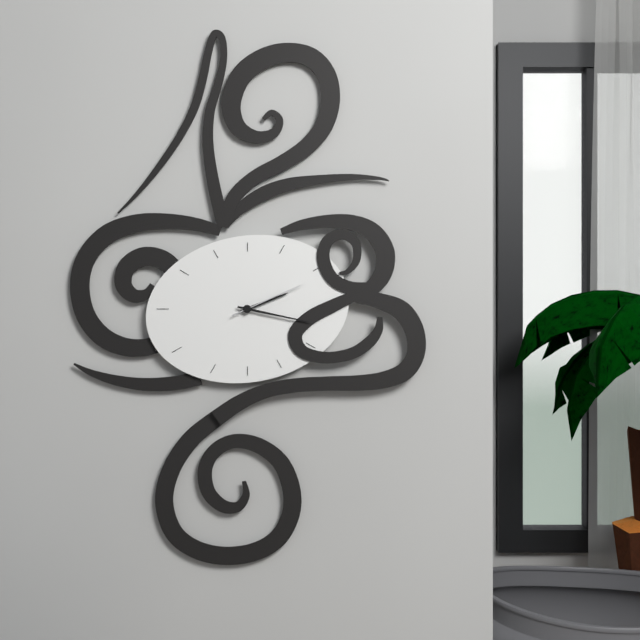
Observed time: 2h17m11s
